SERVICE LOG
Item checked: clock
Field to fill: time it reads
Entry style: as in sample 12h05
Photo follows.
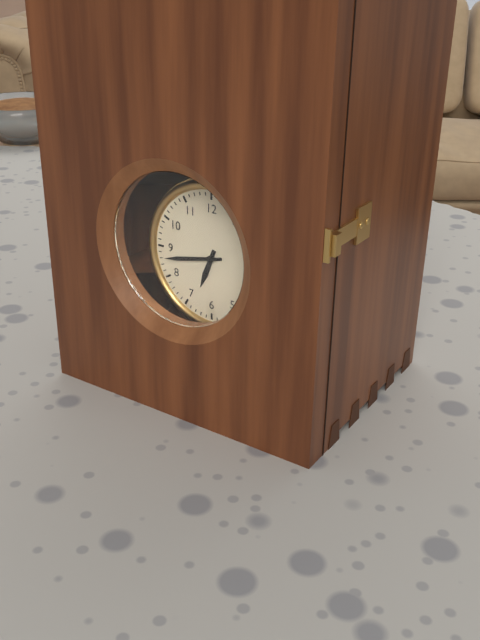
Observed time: 6h43
